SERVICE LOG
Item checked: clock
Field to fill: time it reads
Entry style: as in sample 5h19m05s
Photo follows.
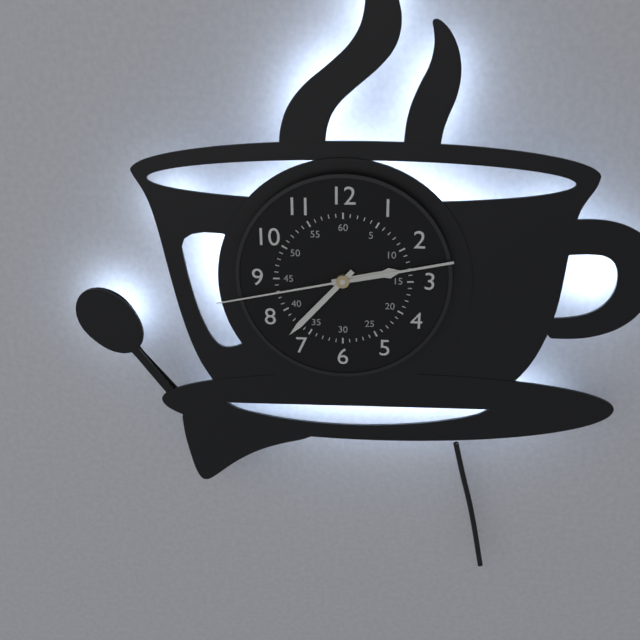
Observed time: 2h37m43s
